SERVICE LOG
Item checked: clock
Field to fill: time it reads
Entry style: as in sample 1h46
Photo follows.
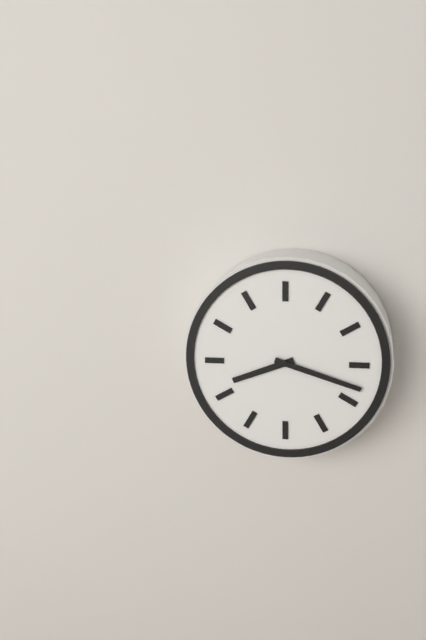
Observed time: 8h18
